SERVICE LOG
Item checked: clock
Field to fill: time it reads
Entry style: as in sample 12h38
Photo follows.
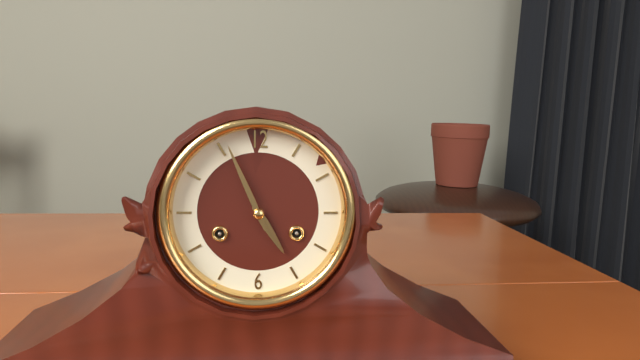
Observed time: 4h56
